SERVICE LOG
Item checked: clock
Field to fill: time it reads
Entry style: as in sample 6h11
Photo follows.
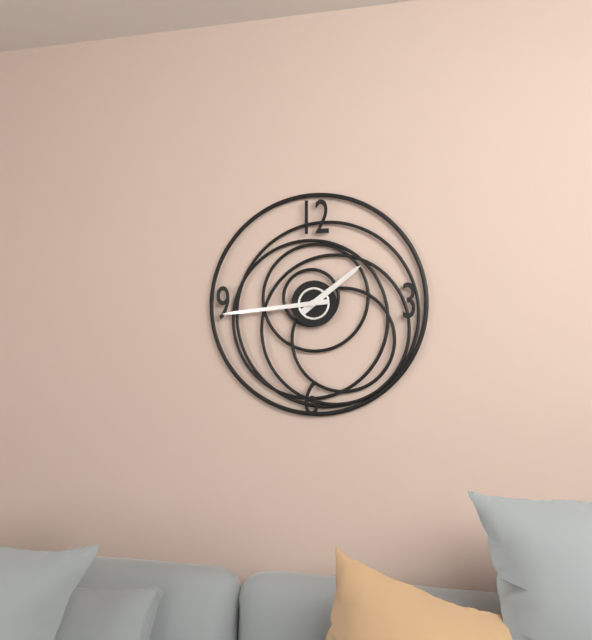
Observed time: 1h44
